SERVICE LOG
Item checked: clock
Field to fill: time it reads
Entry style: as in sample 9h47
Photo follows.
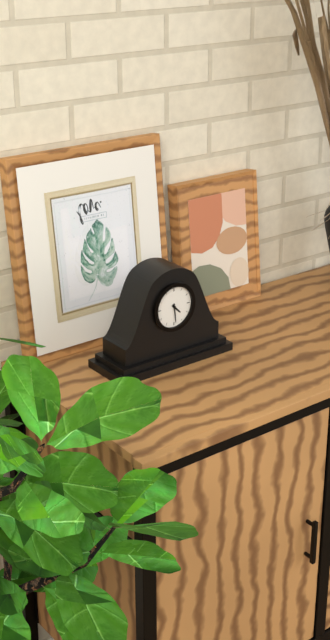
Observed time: 4h29
